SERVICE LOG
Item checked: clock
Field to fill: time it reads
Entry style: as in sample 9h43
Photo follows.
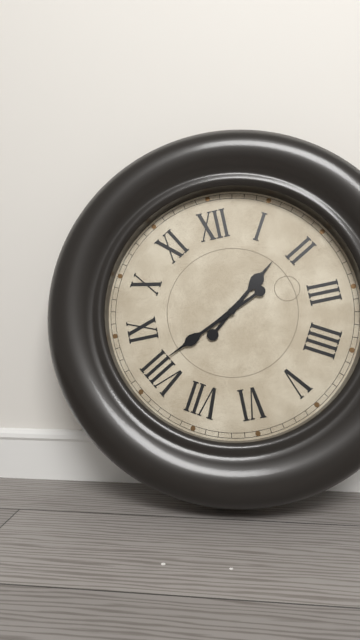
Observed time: 1h41
